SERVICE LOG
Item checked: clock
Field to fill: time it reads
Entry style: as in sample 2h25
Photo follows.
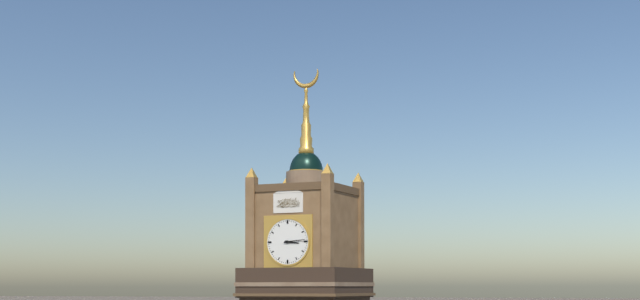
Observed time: 3h14
